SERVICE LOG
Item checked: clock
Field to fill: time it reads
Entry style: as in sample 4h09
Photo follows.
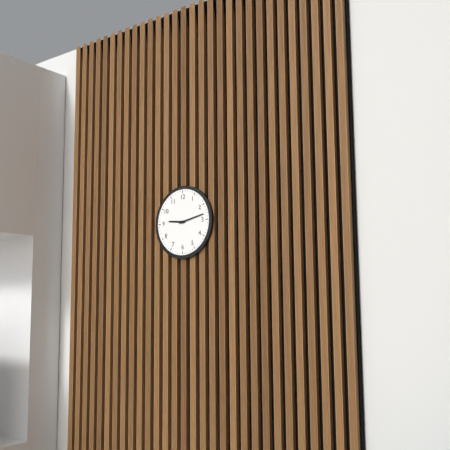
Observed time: 9h13
